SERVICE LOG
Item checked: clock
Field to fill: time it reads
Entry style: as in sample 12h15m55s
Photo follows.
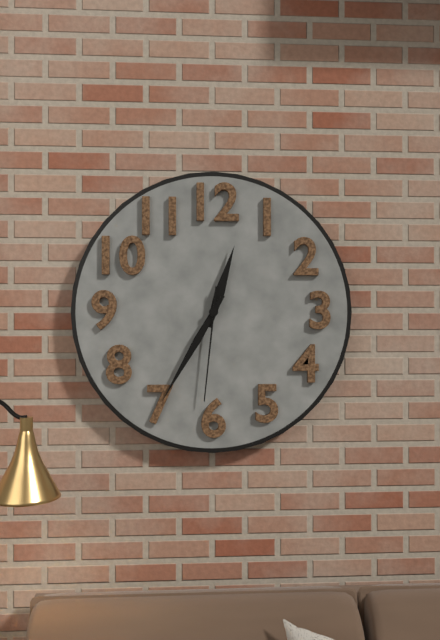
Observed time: 12h35m31s
